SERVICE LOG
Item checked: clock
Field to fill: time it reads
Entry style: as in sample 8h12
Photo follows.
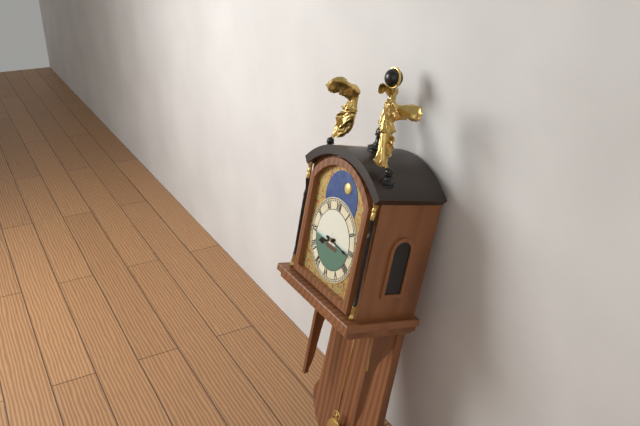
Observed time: 8h16
